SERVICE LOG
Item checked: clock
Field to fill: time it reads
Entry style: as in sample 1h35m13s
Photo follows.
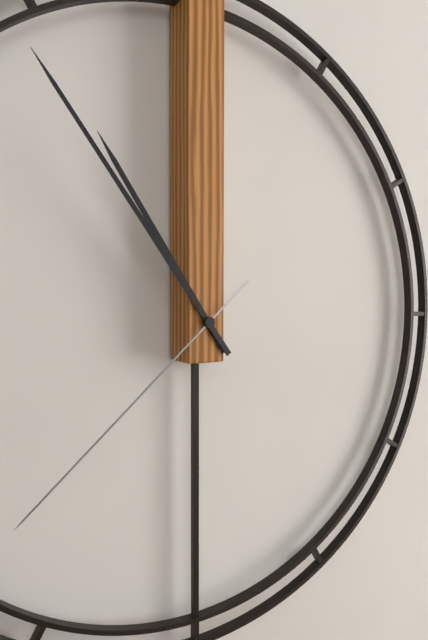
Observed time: 10h54m38s
